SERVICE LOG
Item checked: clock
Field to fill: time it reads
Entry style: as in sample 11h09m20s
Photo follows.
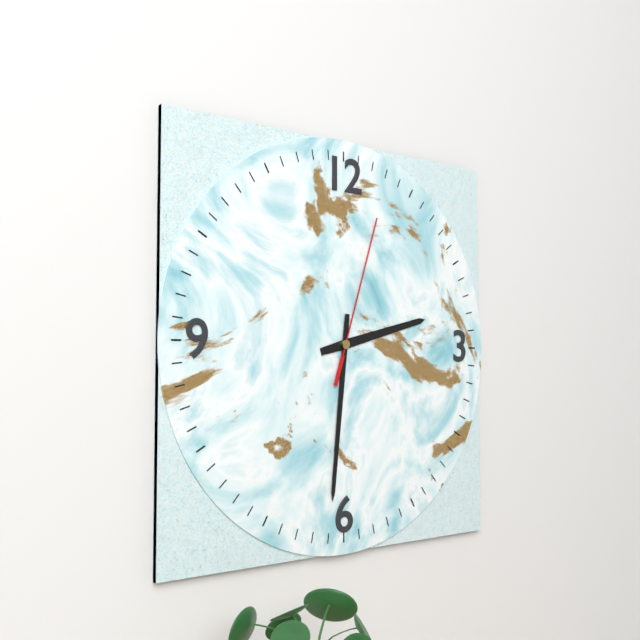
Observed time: 2h31m03s
